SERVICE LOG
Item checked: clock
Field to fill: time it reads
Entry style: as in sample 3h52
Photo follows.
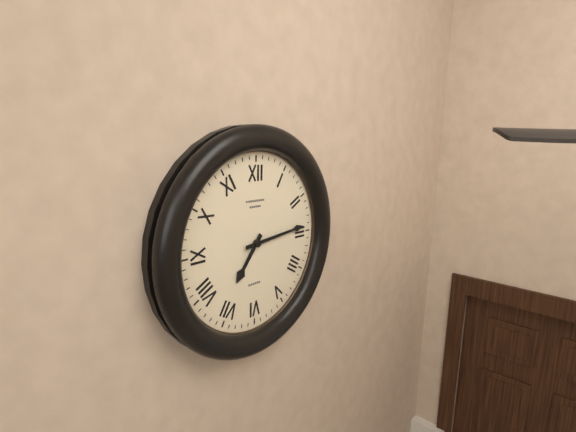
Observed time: 7h14
